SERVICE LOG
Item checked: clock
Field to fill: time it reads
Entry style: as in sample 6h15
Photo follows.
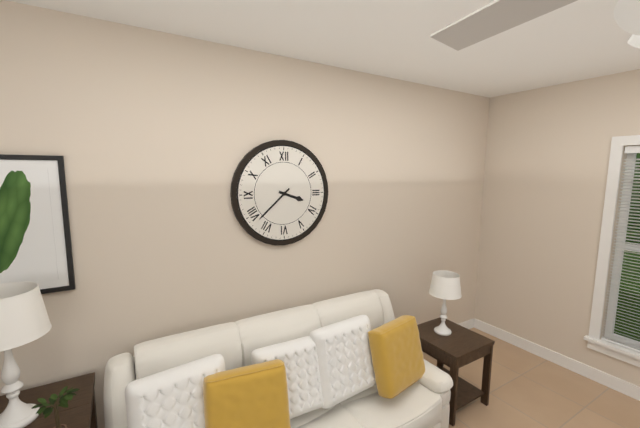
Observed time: 3h38
